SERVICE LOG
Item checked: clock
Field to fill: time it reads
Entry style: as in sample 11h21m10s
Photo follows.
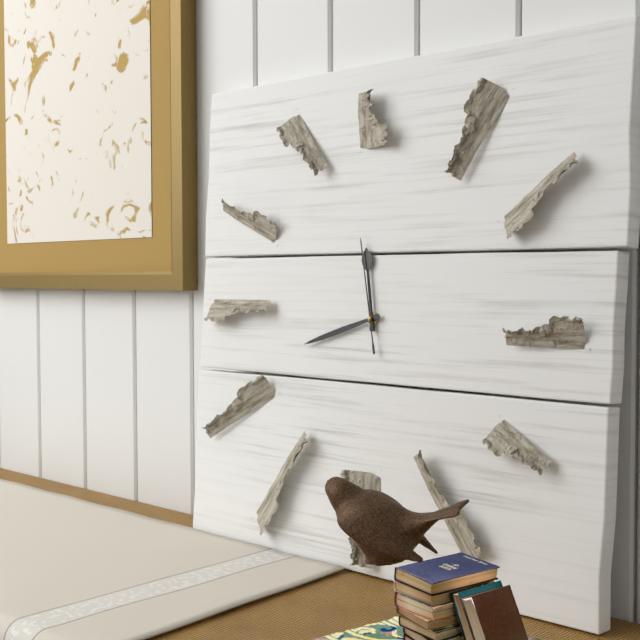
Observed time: 11h42m58s
